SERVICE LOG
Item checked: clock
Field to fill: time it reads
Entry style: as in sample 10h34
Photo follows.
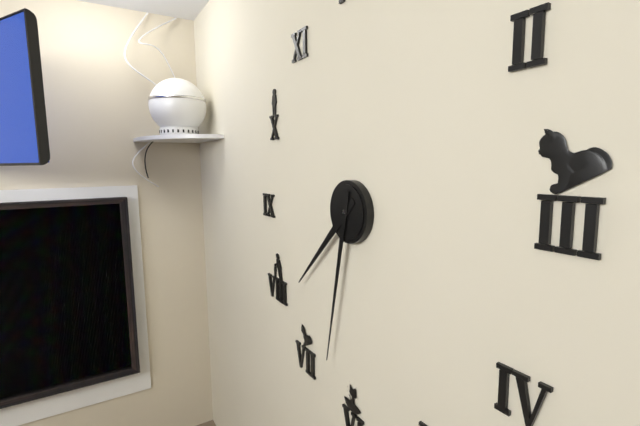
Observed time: 7h32
